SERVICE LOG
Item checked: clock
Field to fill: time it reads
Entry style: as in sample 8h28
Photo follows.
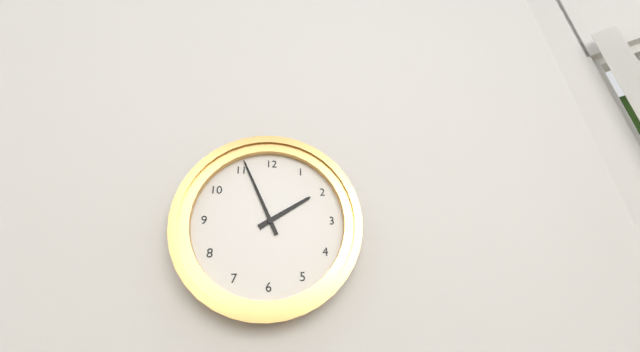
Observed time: 1h56
